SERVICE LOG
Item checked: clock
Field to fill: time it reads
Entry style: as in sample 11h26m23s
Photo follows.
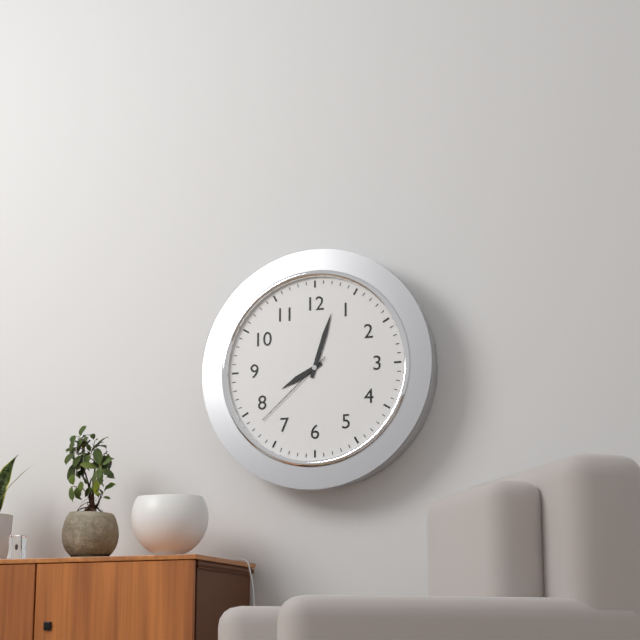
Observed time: 8h03m38s
